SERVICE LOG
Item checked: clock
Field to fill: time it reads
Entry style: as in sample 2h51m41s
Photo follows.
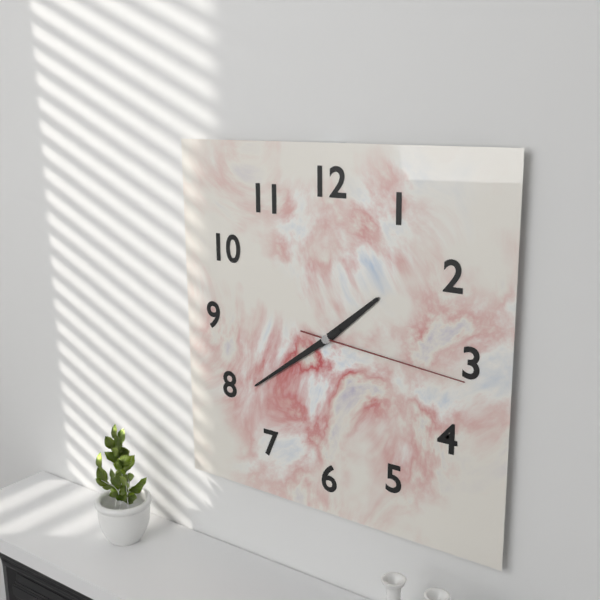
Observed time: 1h39m16s
